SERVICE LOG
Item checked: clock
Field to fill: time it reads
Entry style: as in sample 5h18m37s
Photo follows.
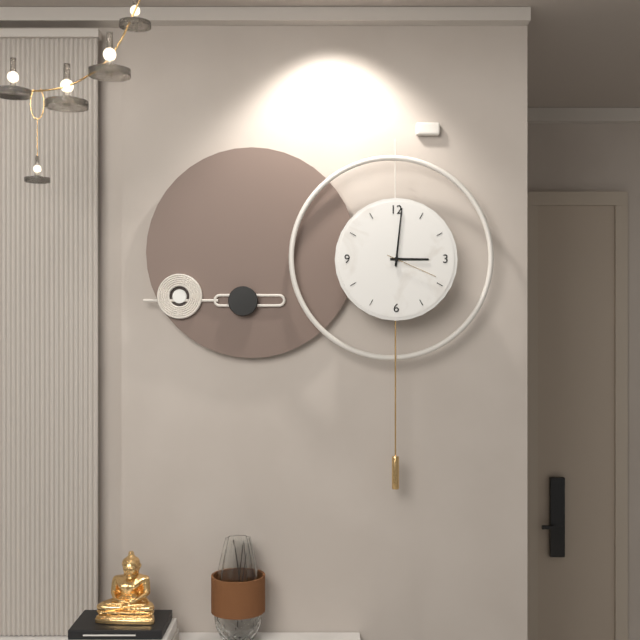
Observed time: 3h01m19s
